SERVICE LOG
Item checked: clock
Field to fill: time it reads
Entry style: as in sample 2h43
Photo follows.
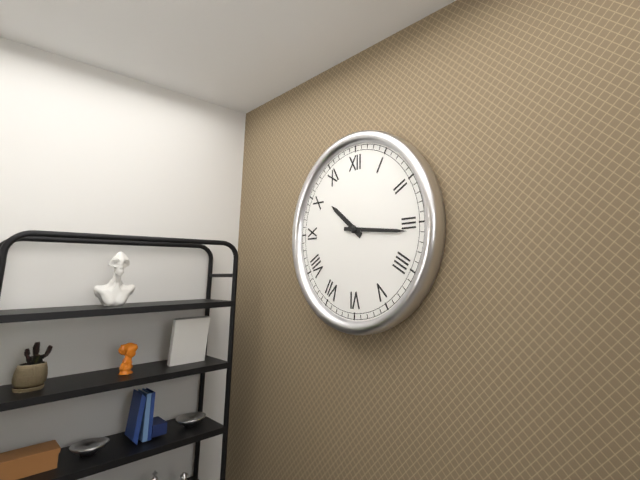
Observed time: 10h16
